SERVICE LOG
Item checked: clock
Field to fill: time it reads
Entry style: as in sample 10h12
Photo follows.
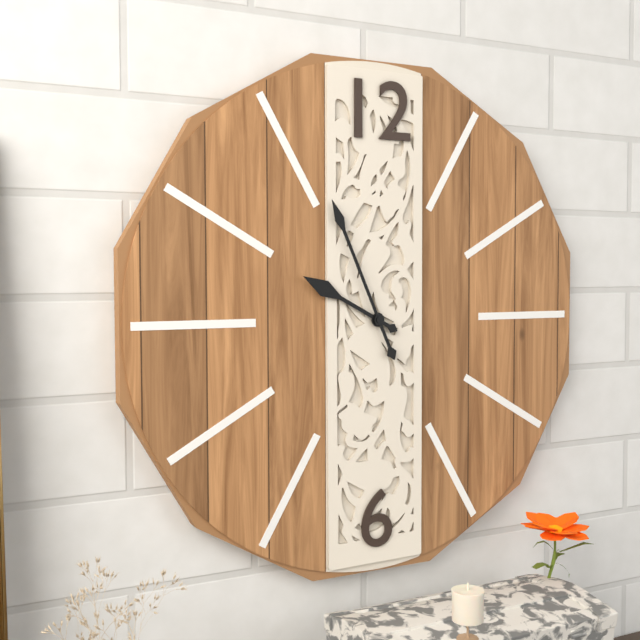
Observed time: 9h56
